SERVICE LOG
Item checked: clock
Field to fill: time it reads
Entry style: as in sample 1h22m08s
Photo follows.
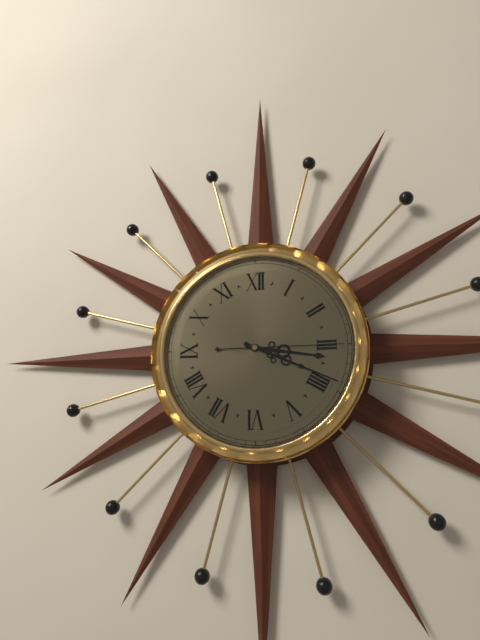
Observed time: 3h19m15s
